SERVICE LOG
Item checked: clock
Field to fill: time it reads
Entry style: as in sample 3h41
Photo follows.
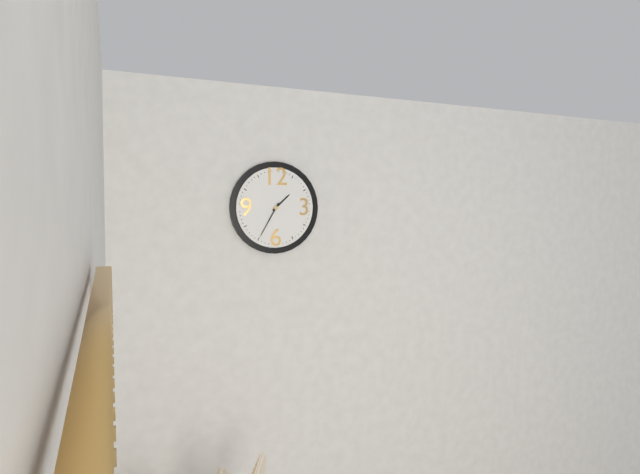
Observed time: 1h35
